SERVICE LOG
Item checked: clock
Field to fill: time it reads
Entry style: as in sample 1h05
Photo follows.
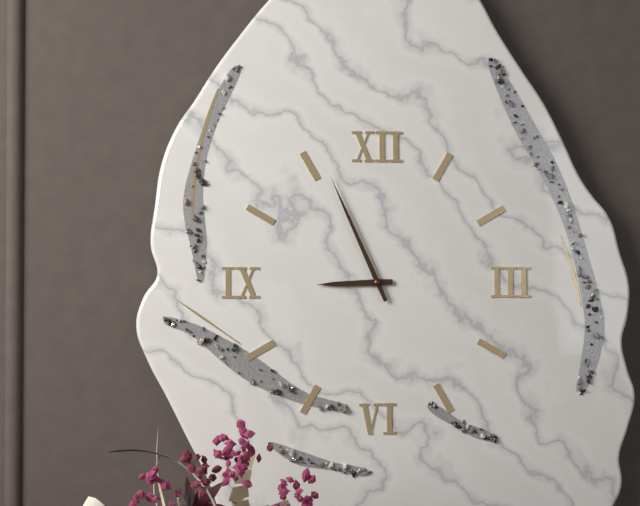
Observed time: 8h56
